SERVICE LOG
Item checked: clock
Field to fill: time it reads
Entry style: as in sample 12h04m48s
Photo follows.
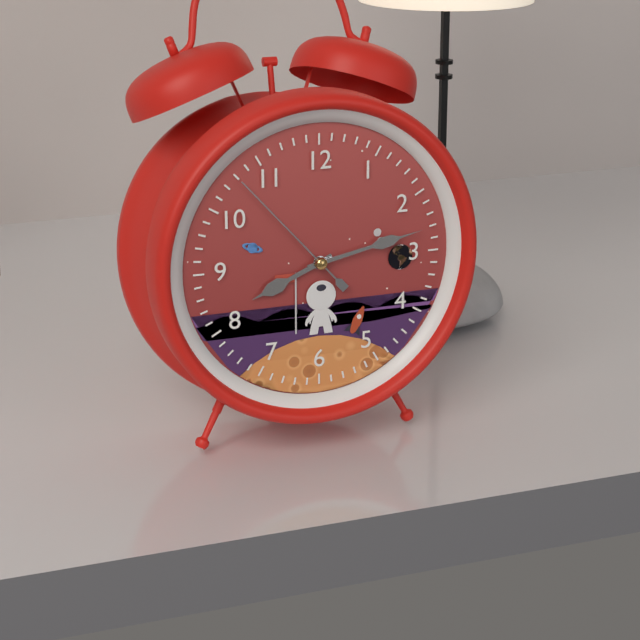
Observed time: 8h13m53s
